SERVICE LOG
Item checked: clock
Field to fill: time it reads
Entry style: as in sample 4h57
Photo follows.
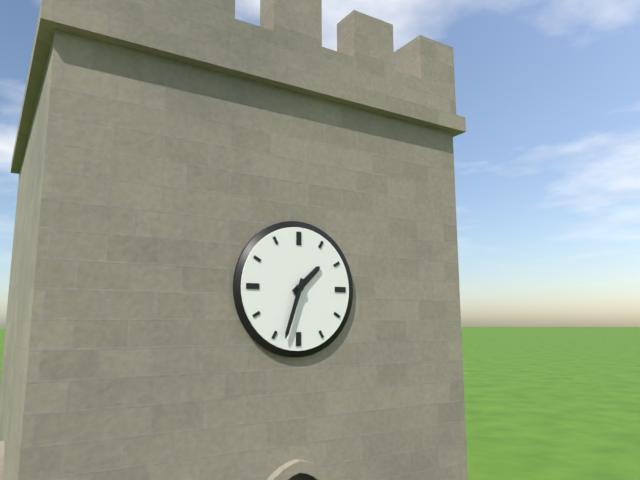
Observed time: 1h33
